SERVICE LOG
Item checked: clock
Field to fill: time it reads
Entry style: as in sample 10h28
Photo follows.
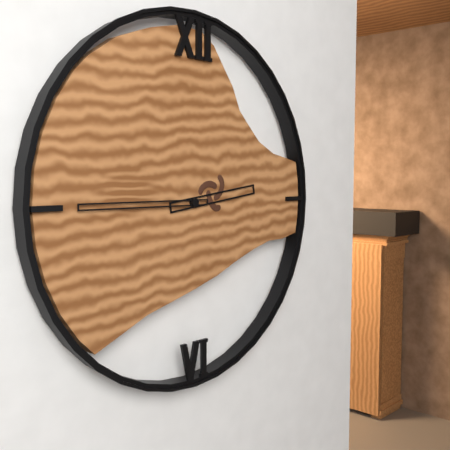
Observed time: 2h45
